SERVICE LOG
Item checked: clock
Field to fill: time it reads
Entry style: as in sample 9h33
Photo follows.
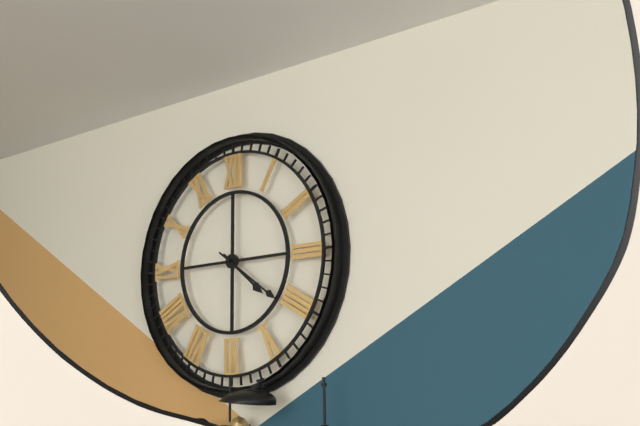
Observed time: 4h21
